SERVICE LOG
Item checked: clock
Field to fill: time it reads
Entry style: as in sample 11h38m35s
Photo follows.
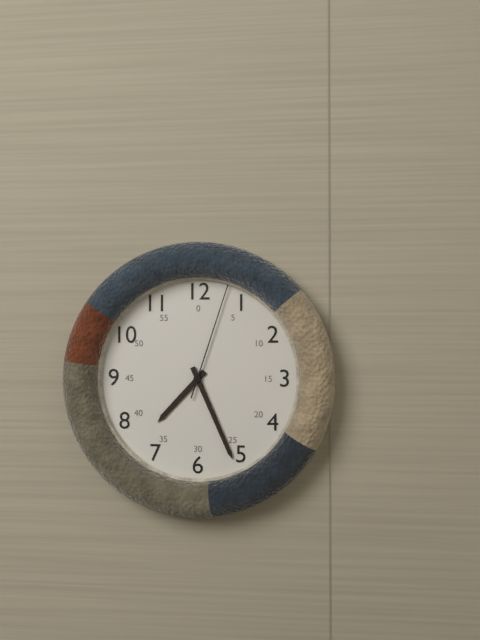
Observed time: 7h26m03s
